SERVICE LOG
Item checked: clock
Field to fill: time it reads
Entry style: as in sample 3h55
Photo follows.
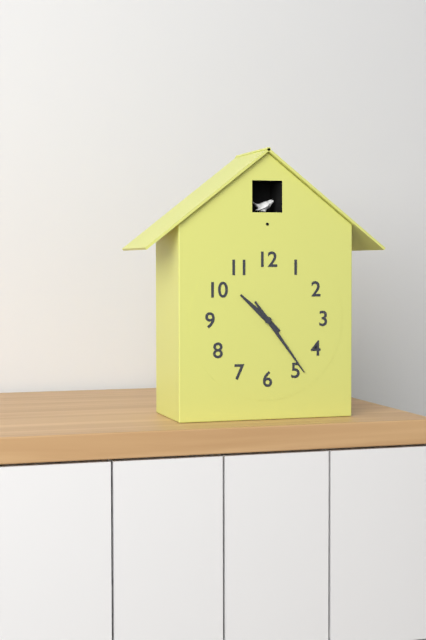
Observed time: 10h24
